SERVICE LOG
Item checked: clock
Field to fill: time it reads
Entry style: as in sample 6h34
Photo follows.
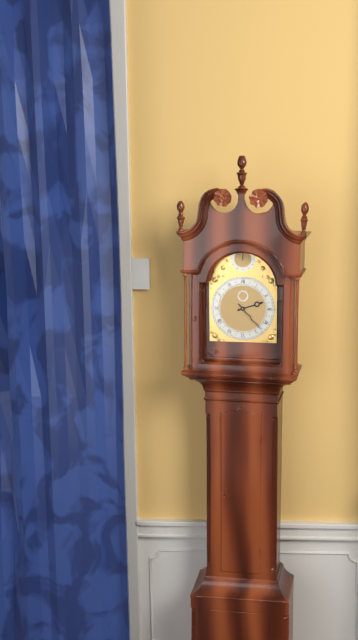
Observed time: 2h23
